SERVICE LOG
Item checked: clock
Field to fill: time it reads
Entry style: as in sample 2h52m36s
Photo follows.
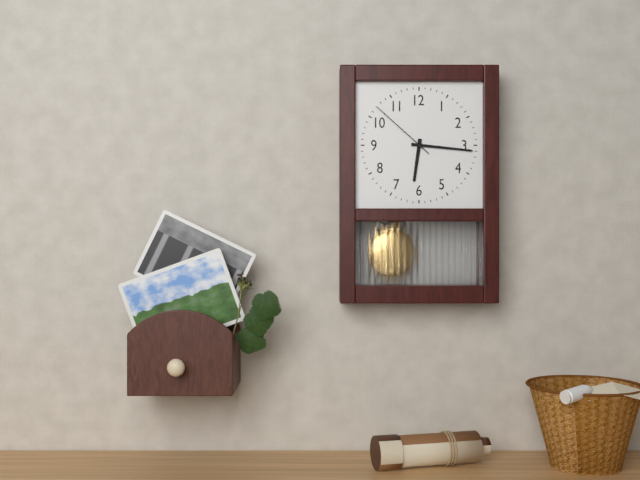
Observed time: 6h16m52s
